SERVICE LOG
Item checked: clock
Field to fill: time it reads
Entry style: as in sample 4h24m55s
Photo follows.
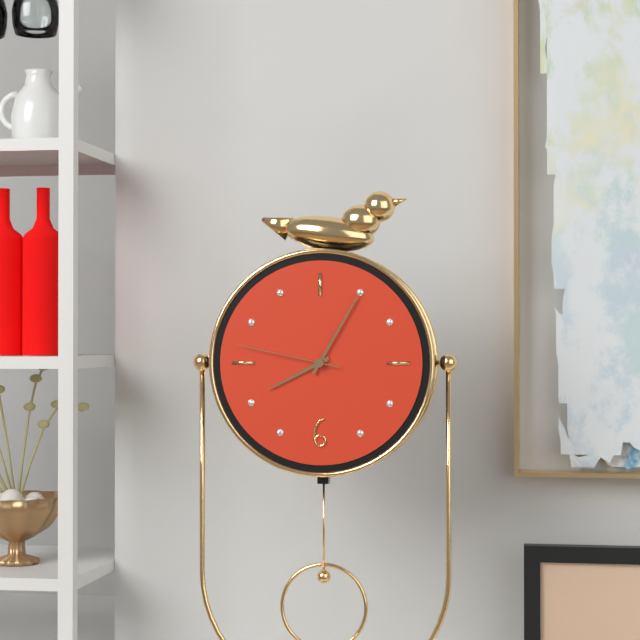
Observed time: 8h05m47s
